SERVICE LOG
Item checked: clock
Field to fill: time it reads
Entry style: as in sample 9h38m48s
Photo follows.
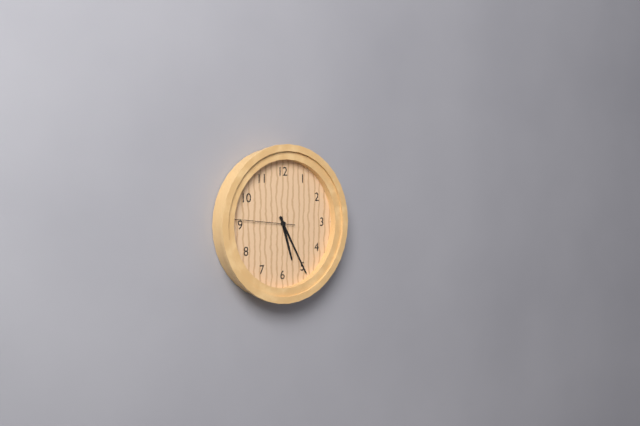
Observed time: 5h25m46s
